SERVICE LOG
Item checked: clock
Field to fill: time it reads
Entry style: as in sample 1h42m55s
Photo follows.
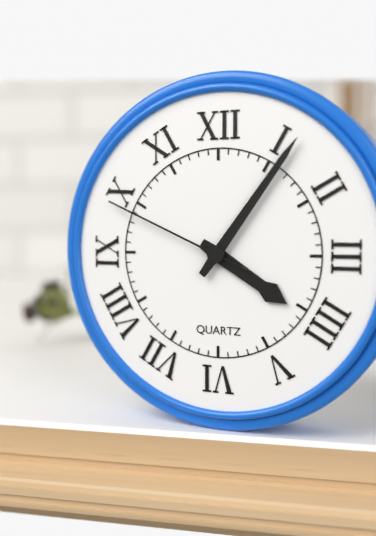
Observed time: 4h06m49s
